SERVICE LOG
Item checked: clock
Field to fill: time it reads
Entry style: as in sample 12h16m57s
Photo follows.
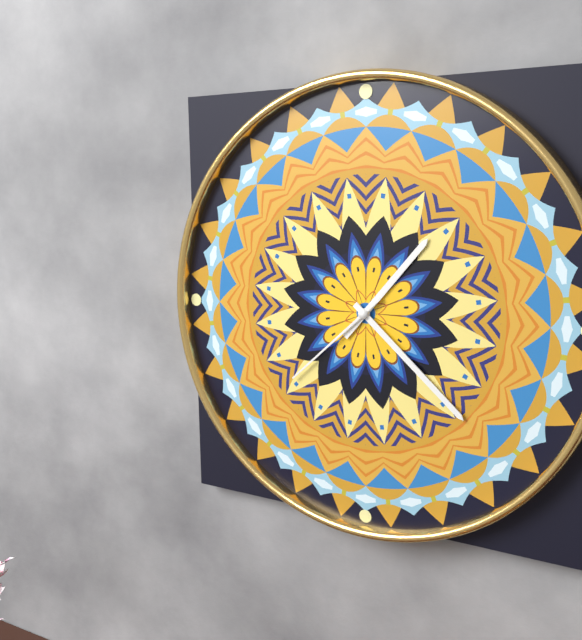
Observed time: 1h22m38s
